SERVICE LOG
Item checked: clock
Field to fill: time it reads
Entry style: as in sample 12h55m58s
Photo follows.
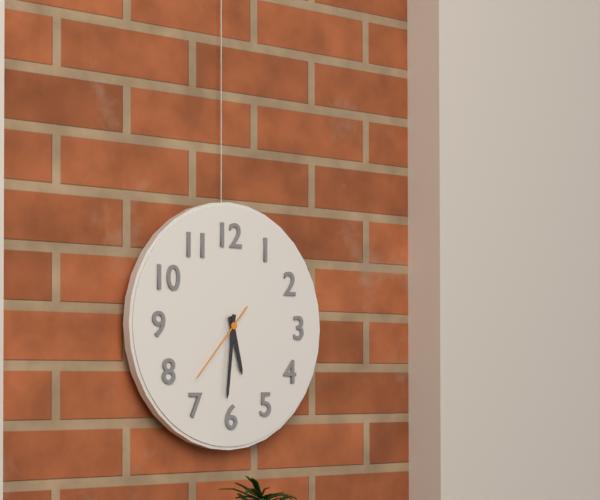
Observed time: 5h31m37s
